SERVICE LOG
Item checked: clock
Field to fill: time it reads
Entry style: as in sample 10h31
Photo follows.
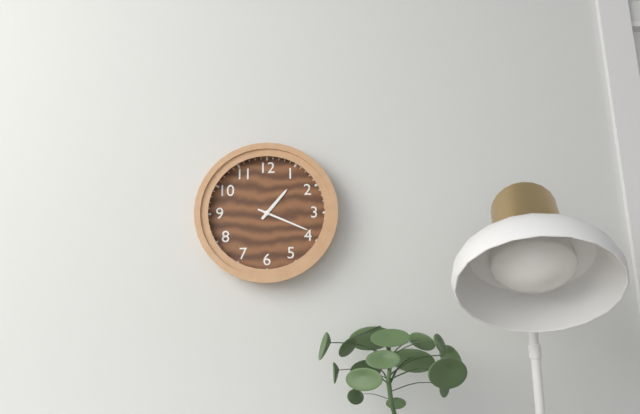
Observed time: 1h19
